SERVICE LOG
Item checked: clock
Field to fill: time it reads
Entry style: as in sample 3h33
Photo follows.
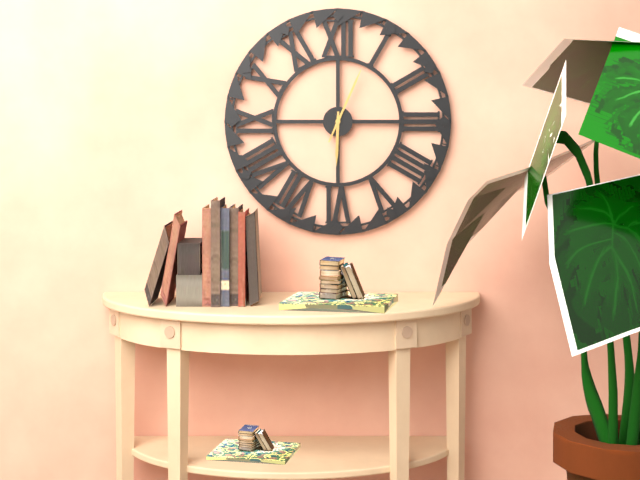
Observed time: 6h04
